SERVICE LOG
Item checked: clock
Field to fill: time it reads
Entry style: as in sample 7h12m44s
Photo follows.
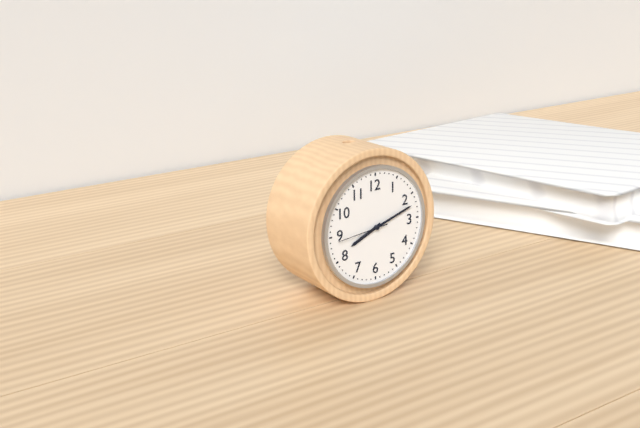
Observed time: 8h12m44s
